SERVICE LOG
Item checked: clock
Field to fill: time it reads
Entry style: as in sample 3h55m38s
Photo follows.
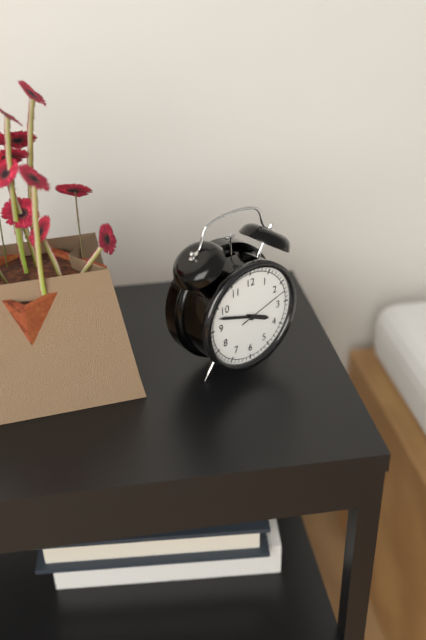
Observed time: 3h48m12s
